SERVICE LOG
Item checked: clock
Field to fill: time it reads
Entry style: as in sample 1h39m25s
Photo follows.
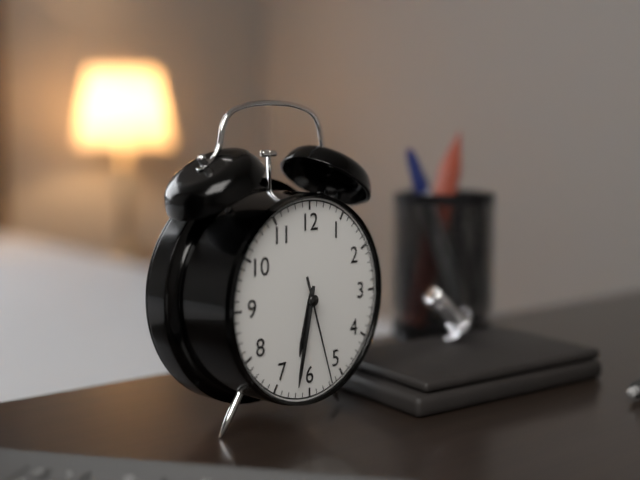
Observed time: 6h32m27s
